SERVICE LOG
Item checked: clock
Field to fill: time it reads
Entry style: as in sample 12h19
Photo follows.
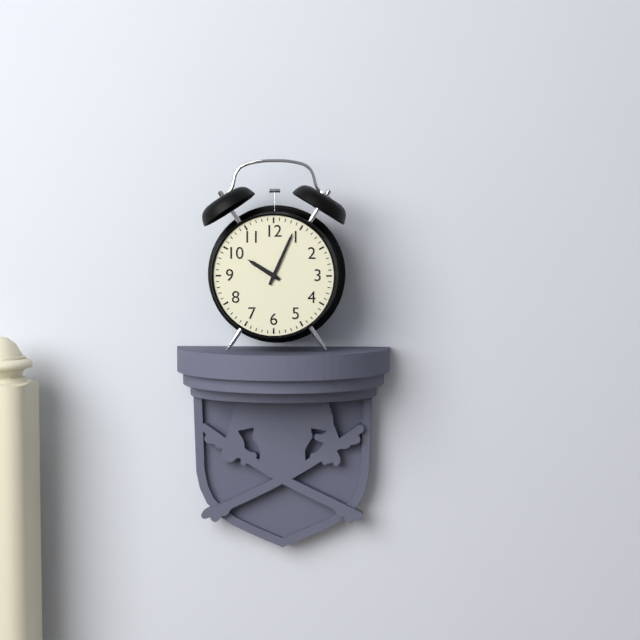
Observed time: 10h04
